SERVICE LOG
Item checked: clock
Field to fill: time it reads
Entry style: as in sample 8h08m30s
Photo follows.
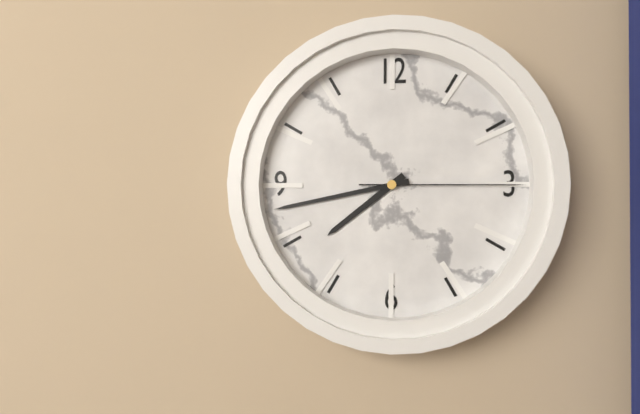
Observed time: 7h43m15s
